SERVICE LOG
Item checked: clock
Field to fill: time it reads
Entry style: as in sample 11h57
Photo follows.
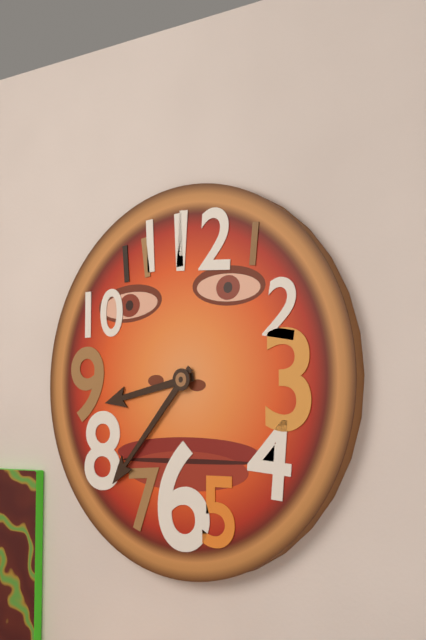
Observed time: 8h37
